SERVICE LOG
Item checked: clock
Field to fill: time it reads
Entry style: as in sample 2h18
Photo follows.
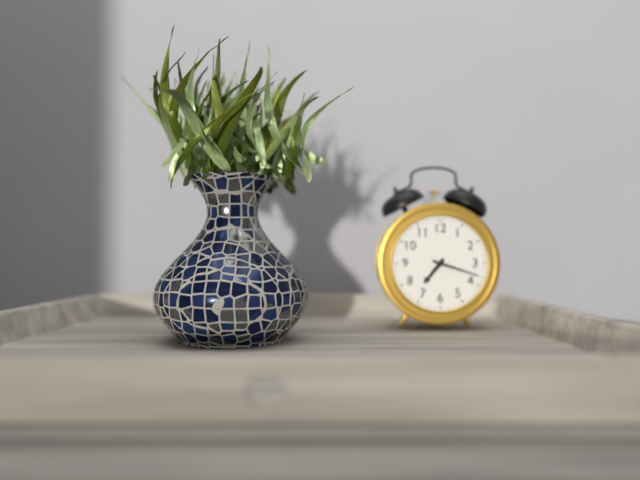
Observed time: 7h18
